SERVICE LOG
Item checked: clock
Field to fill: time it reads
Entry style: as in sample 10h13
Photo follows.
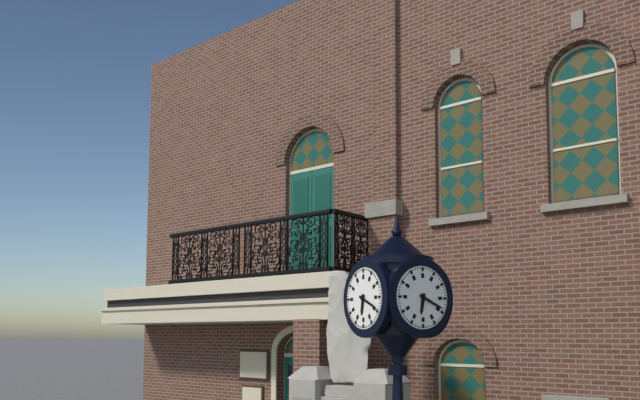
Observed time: 6h19
